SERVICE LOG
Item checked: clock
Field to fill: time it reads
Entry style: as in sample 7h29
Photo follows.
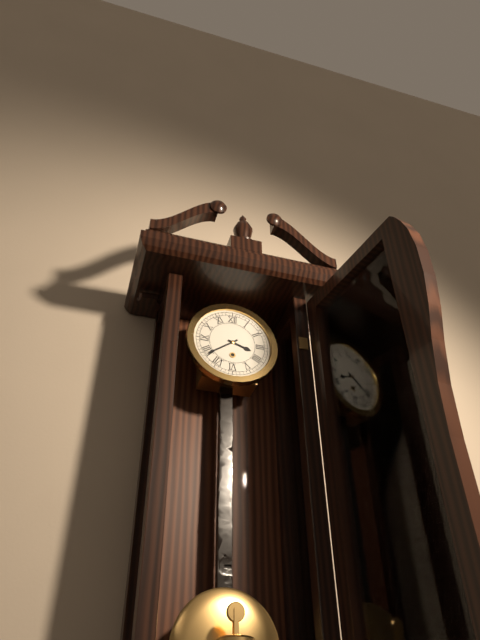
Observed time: 3h39
